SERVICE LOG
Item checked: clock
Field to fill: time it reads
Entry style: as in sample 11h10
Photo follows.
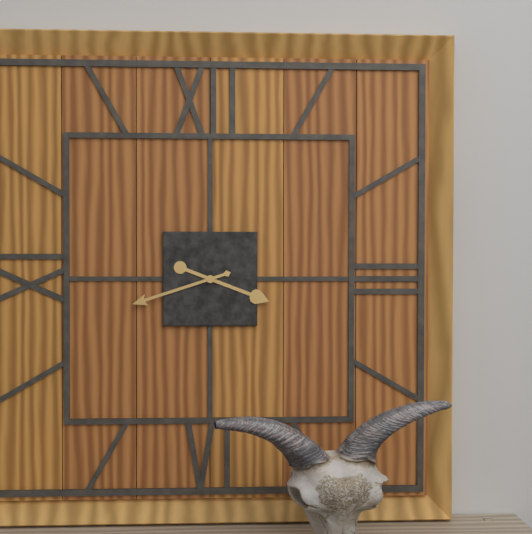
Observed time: 3h42
